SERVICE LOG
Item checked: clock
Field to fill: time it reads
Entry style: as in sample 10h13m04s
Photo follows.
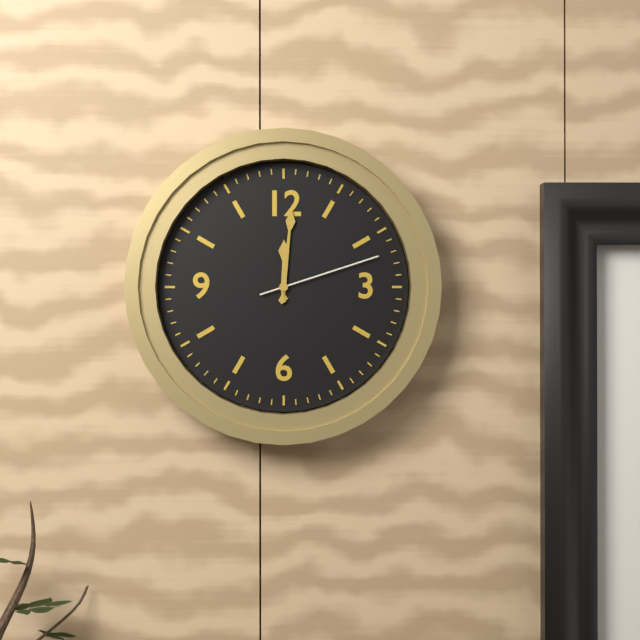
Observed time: 12h01m12s
